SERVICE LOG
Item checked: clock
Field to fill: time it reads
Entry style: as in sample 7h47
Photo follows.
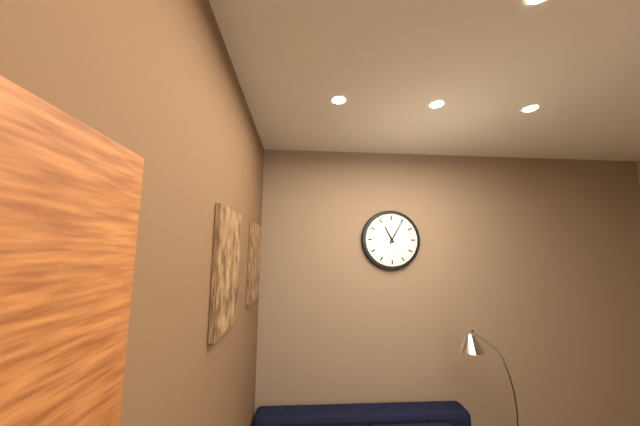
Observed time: 11h05
